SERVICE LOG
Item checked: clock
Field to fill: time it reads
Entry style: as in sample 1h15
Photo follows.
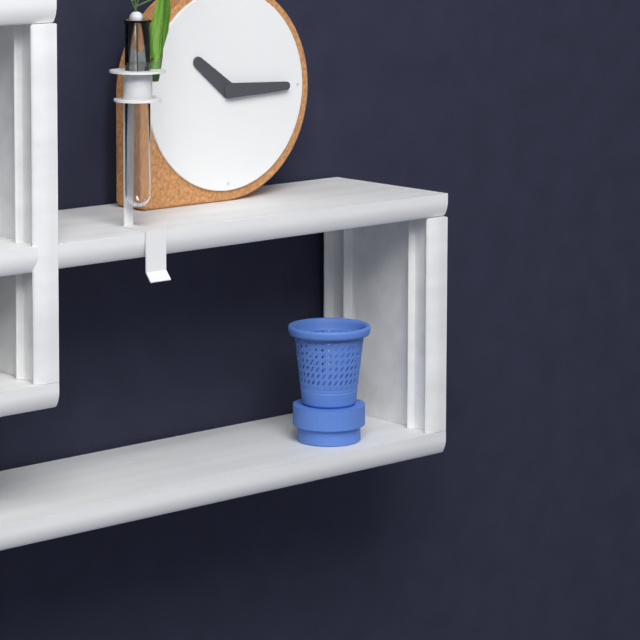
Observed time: 10h15
